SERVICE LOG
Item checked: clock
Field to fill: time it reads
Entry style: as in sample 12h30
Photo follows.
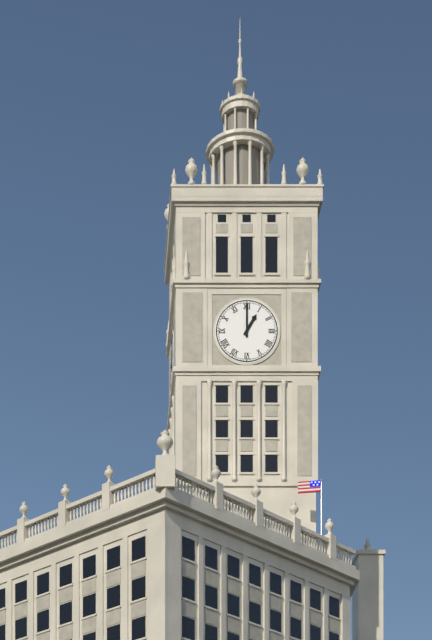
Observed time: 1h00
